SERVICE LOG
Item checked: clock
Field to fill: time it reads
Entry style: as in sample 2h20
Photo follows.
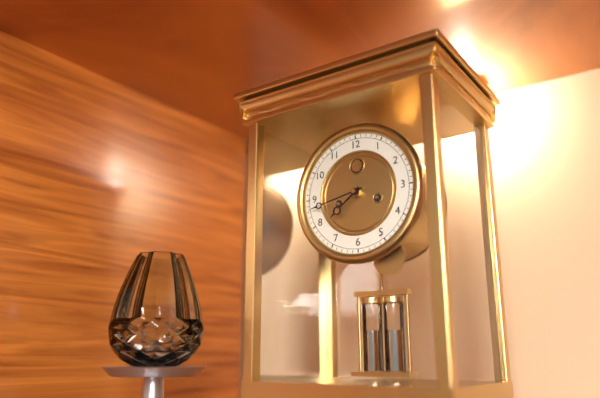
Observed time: 7h43
